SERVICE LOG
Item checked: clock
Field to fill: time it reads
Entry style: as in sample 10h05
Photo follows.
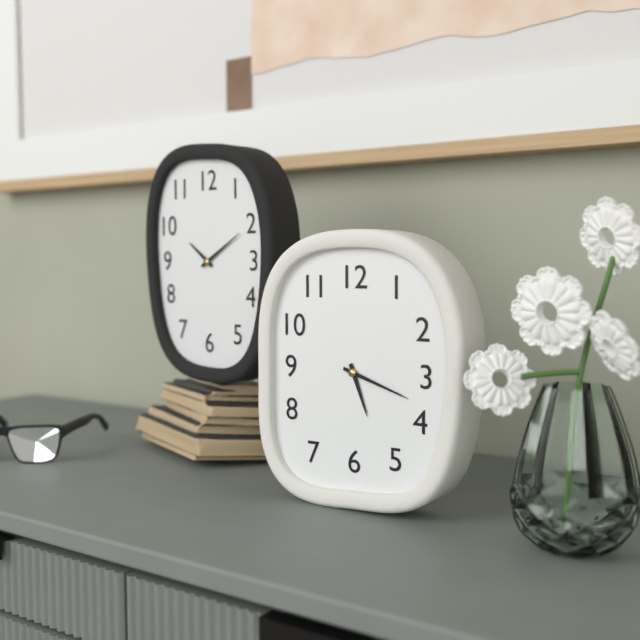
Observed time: 5h18
